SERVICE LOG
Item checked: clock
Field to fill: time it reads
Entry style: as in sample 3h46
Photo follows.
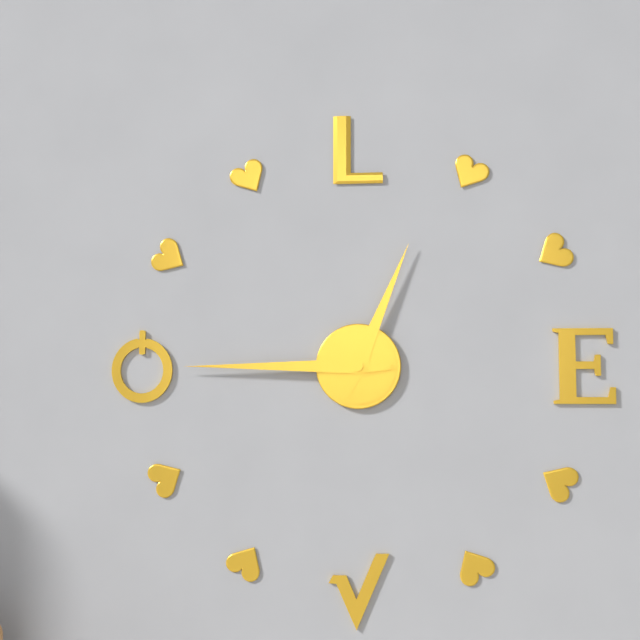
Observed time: 12h45
